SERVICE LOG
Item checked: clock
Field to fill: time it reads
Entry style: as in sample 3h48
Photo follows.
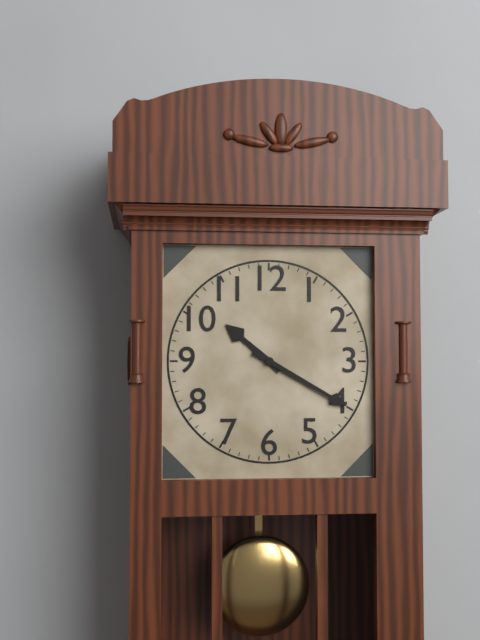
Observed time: 10h20
